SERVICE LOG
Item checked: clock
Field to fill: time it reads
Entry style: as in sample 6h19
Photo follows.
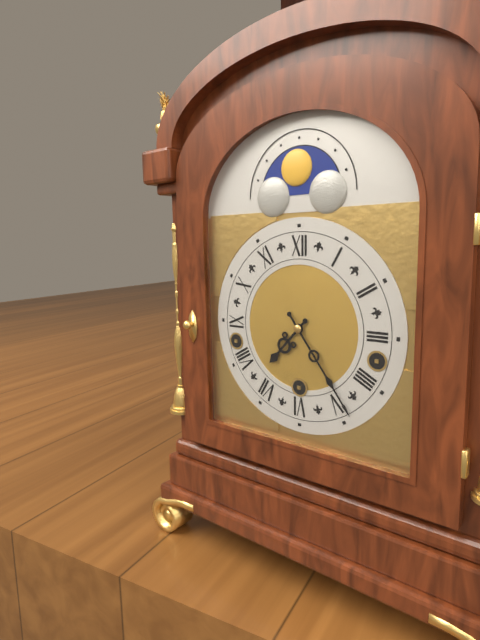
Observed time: 7h24
